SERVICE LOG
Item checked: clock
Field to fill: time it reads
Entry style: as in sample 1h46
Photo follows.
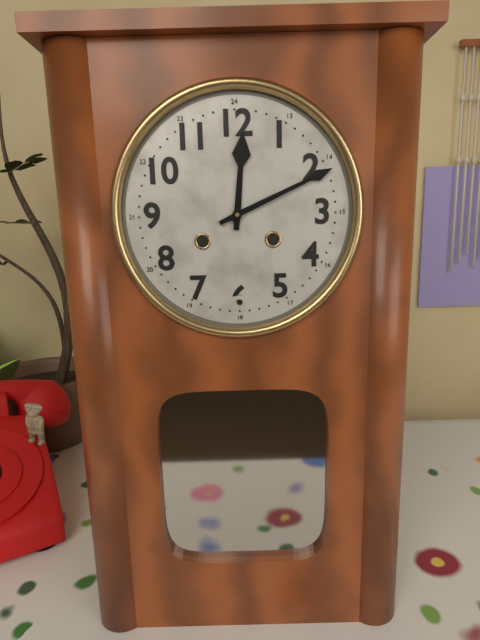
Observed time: 12h11
